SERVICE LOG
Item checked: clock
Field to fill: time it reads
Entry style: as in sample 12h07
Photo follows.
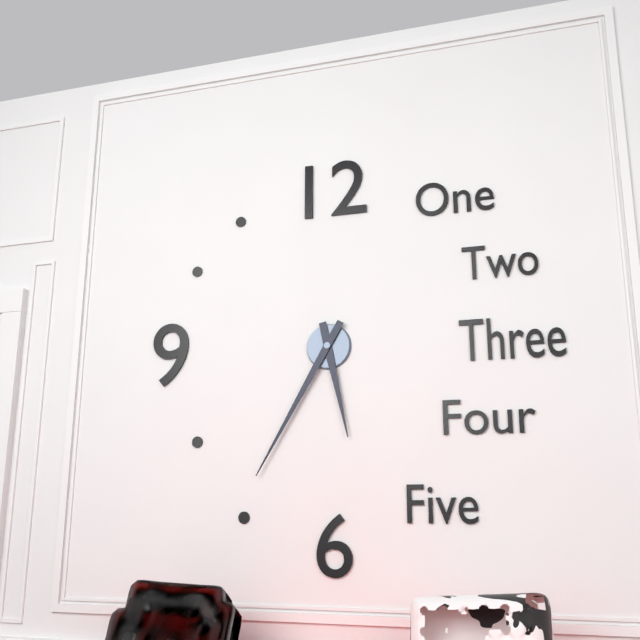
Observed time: 5h35
